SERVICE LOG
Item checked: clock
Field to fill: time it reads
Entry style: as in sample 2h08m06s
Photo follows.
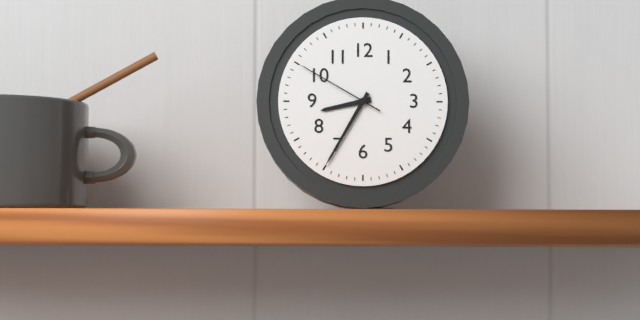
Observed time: 8h35m50s
